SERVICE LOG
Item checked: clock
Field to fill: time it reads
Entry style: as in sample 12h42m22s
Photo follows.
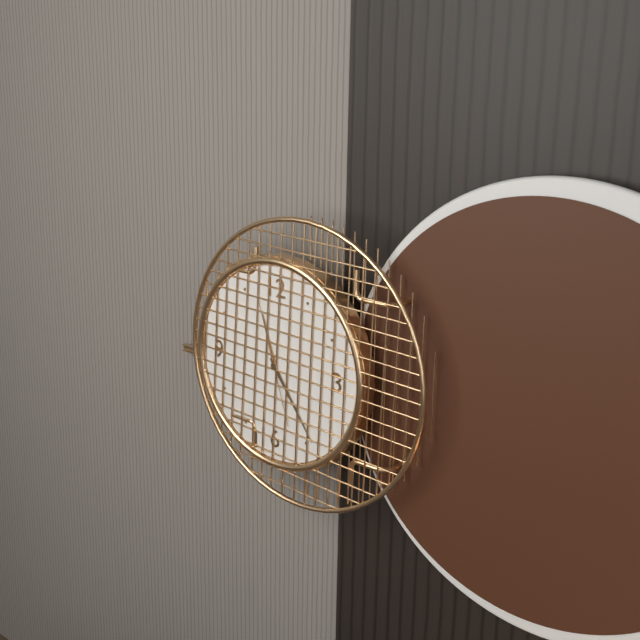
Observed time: 11h24m57s
